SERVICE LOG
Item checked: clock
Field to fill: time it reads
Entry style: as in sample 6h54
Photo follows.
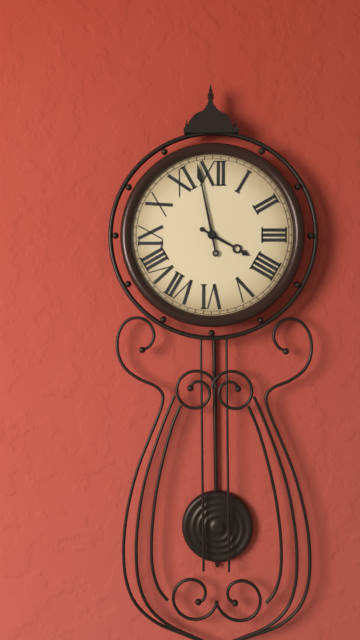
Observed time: 3h58
